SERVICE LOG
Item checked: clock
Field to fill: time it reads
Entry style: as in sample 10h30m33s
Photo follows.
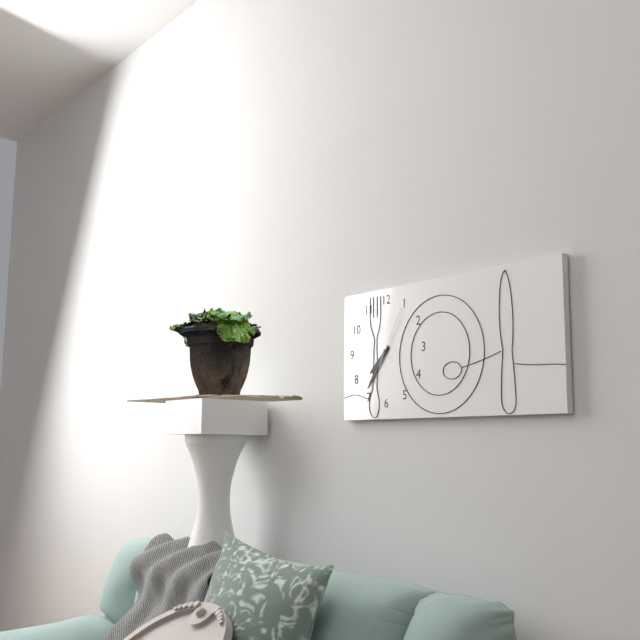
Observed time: 7h36m05s
